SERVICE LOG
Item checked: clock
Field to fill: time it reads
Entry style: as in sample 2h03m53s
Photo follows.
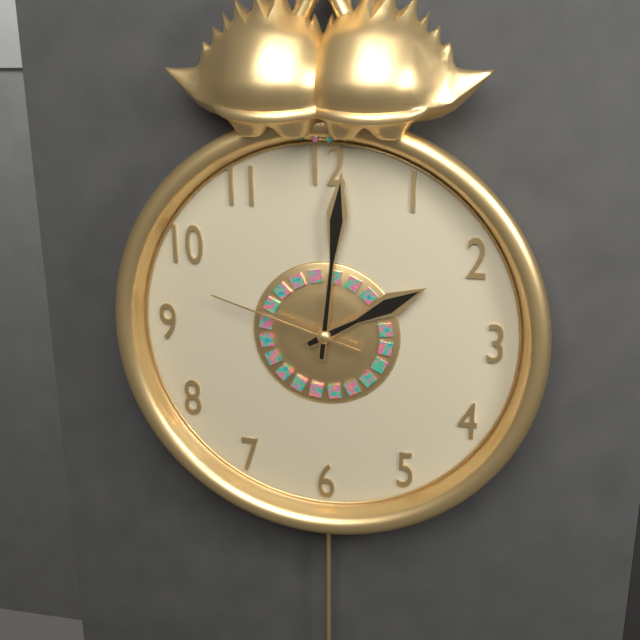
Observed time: 2h01m48s
